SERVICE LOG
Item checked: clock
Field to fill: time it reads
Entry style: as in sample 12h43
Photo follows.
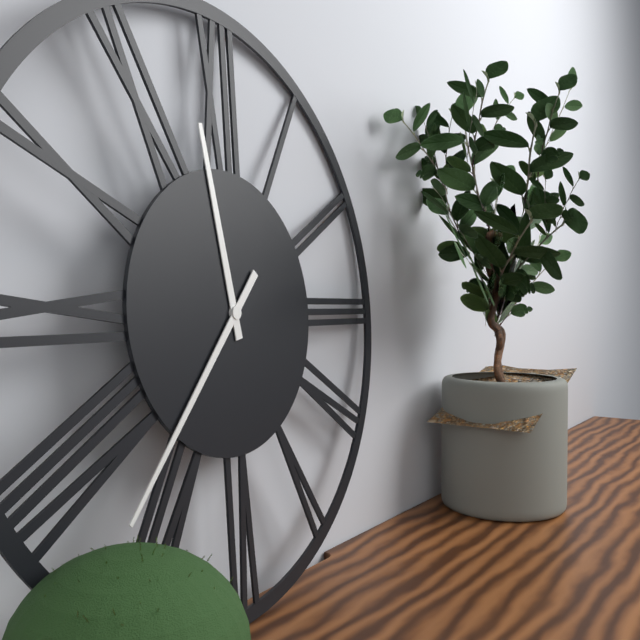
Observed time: 11h37
